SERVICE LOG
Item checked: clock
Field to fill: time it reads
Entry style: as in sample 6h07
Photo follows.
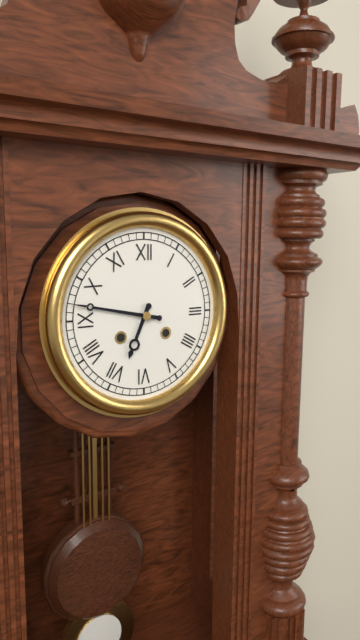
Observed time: 6h47
